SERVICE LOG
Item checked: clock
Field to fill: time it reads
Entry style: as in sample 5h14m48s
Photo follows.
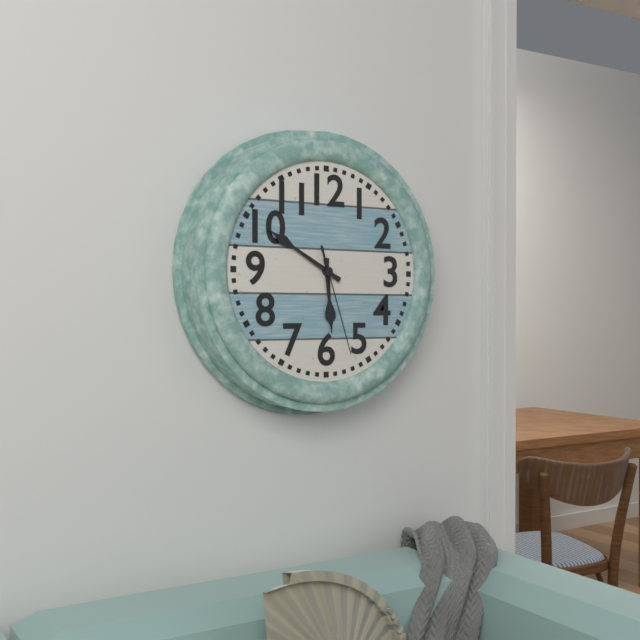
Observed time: 5h50m27s
